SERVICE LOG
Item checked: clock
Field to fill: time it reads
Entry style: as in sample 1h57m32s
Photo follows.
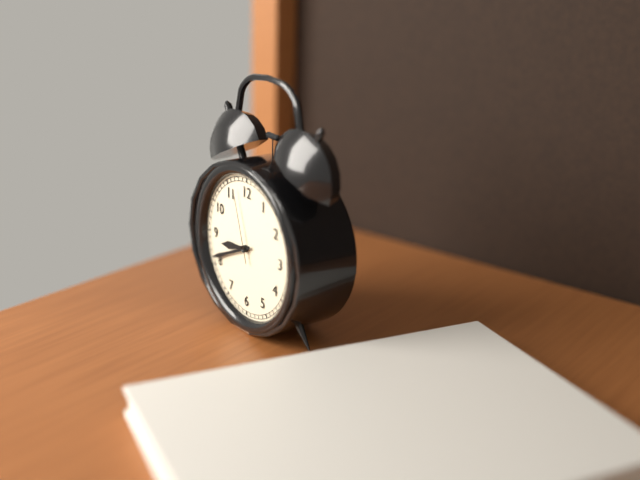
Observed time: 8h41m57s
